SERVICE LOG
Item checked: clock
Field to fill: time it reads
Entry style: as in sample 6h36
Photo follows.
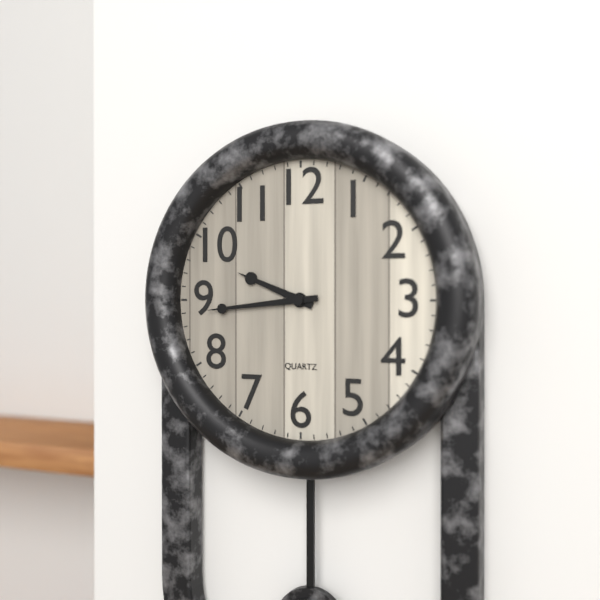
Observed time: 9h44
